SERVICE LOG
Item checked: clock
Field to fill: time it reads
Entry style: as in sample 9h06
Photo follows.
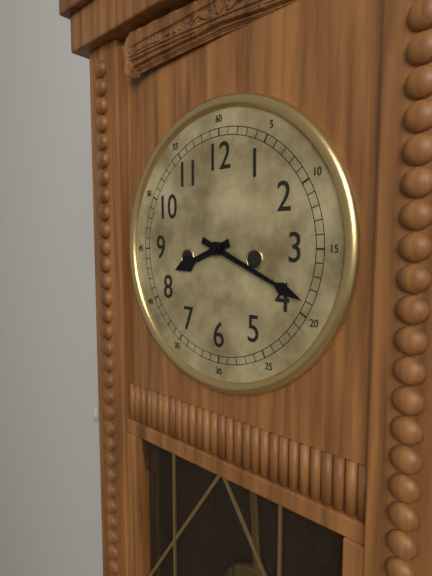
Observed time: 8h19
